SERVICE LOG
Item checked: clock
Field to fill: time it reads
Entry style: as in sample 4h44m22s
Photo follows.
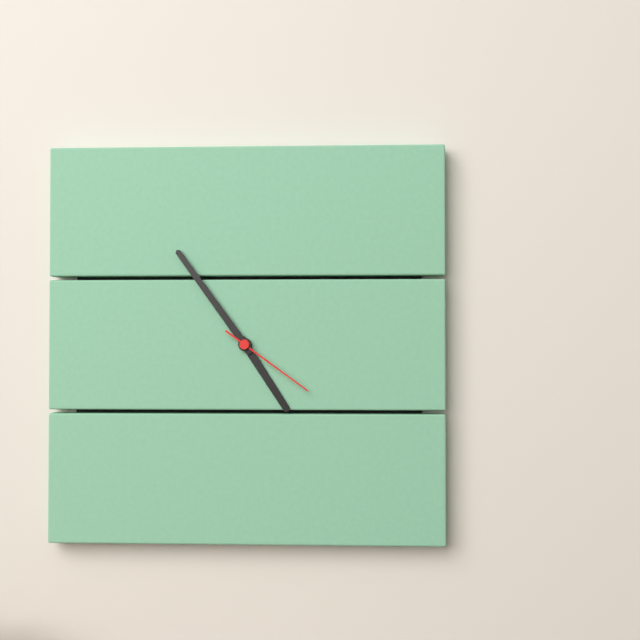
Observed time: 4h54m21s
